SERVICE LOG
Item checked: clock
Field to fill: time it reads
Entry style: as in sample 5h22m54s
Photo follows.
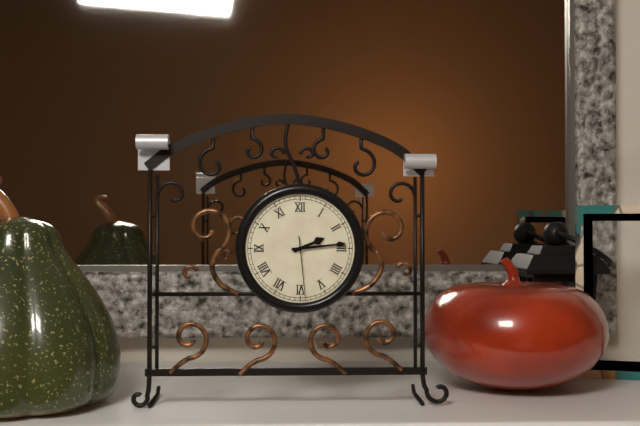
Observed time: 2h14m29s
